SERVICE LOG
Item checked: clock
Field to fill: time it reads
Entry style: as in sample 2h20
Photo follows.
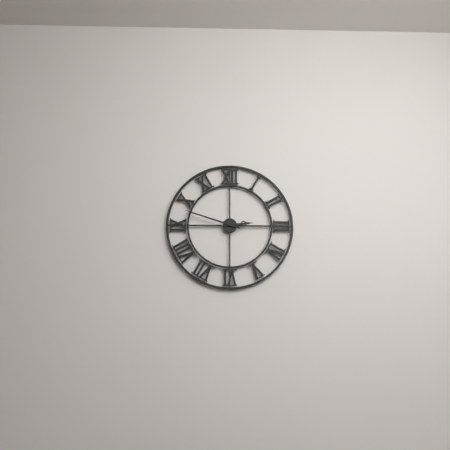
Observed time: 2h48
